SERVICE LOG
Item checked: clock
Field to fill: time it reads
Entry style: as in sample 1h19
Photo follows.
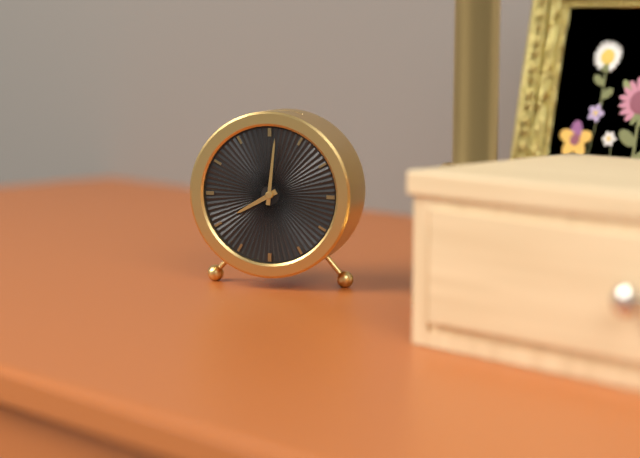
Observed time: 8h01
